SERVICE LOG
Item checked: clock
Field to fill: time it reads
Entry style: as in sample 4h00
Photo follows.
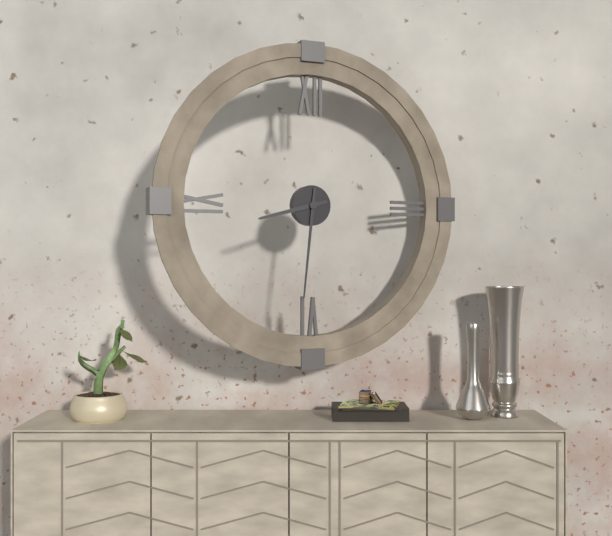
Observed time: 8h31
